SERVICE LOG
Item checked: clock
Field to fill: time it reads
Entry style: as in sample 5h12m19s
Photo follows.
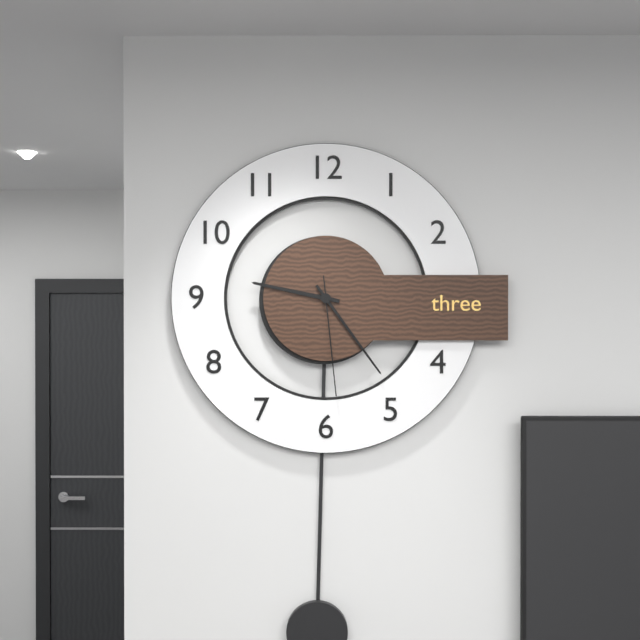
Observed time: 9h24m29s
